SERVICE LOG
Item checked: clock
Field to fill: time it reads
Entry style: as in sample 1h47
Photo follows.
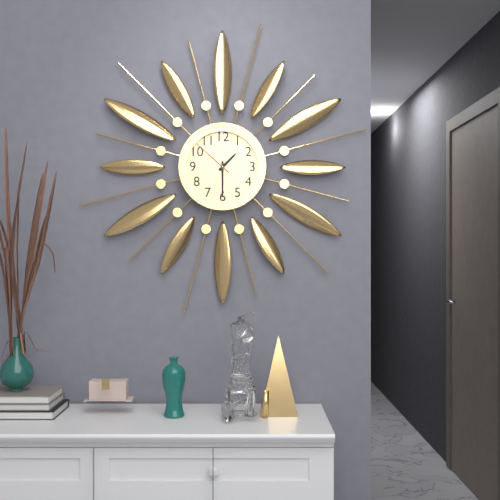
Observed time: 1h30
